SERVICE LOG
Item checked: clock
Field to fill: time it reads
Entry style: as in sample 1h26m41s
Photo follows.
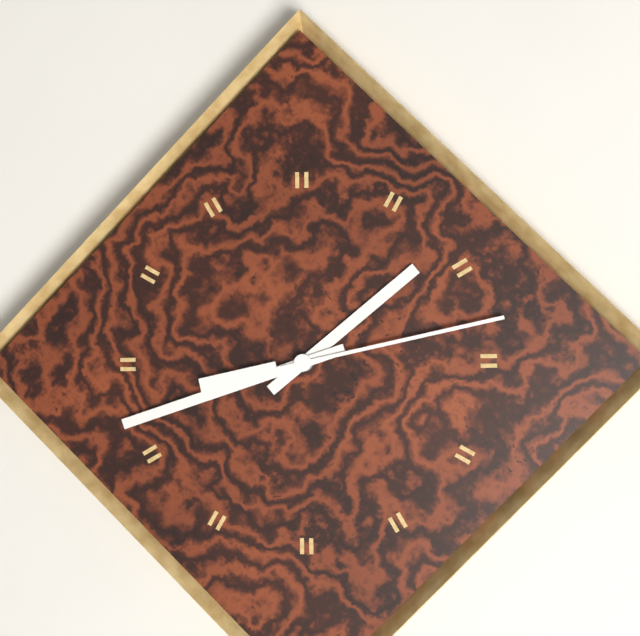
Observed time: 1h42m13s
